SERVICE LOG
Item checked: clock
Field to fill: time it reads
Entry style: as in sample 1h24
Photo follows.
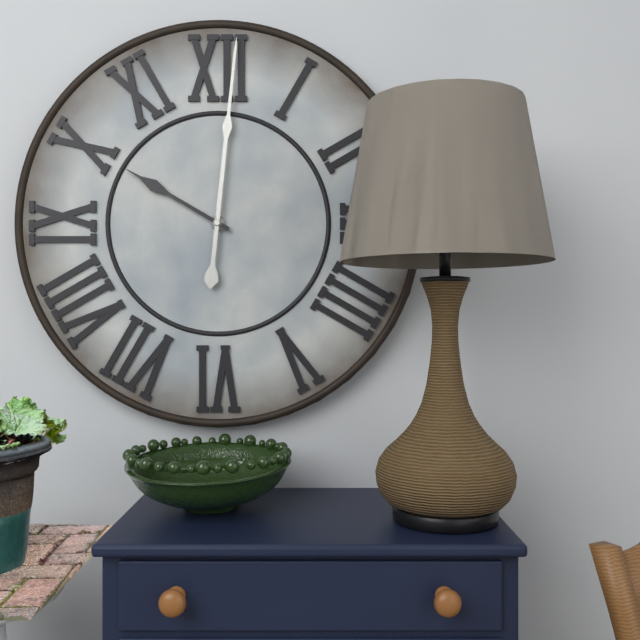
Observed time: 10h01
